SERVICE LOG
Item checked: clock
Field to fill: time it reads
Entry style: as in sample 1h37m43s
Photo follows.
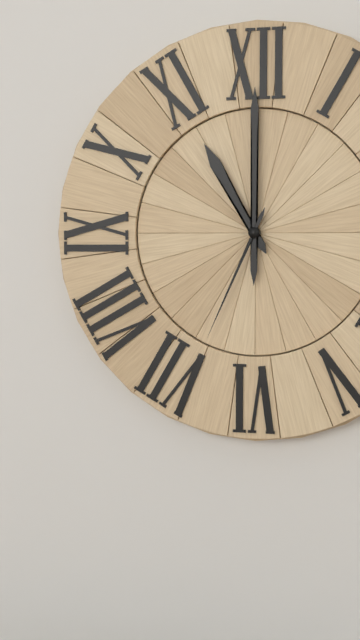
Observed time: 11h00m34s
